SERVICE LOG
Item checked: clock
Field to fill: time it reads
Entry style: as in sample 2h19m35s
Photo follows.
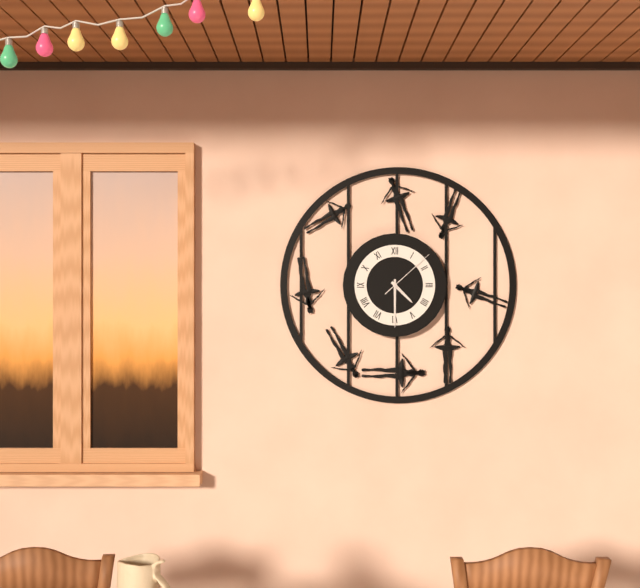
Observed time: 4h30m08s
